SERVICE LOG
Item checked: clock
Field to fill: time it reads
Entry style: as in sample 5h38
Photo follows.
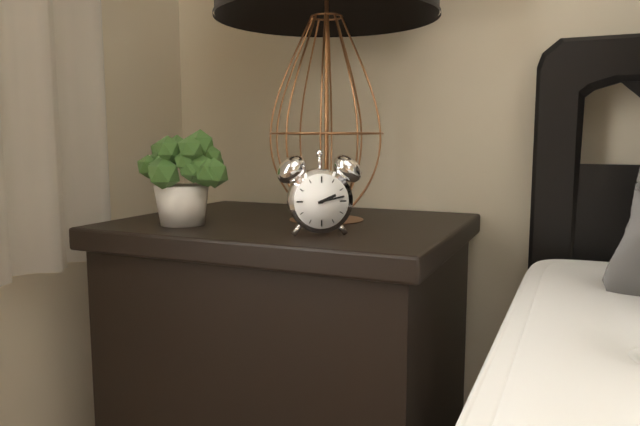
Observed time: 2h13
